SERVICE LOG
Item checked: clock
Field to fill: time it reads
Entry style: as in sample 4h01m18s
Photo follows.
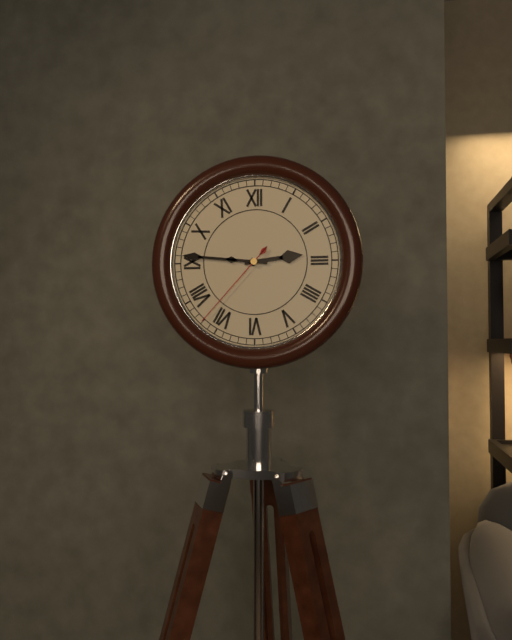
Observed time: 2h46m37s
